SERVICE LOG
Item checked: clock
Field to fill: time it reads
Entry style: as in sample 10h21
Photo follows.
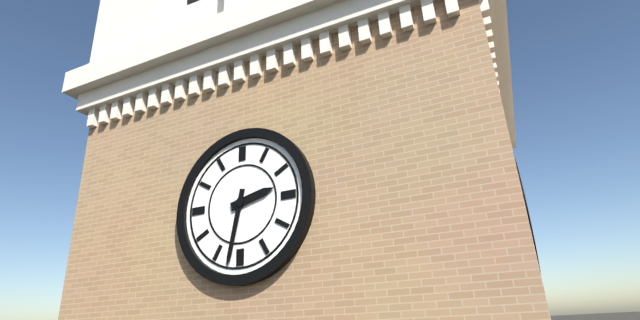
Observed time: 2h32
